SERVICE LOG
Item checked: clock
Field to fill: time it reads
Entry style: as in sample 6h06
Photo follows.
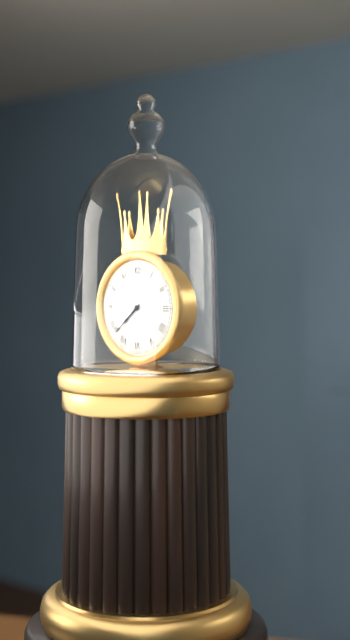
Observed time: 7h38
